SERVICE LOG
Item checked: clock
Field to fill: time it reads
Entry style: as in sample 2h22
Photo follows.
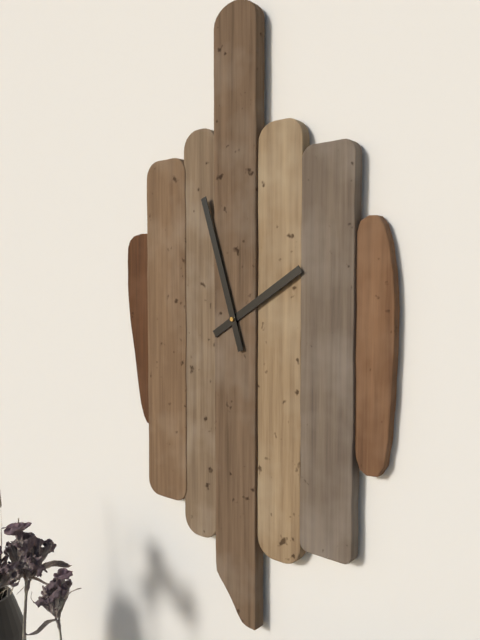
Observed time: 1h57
